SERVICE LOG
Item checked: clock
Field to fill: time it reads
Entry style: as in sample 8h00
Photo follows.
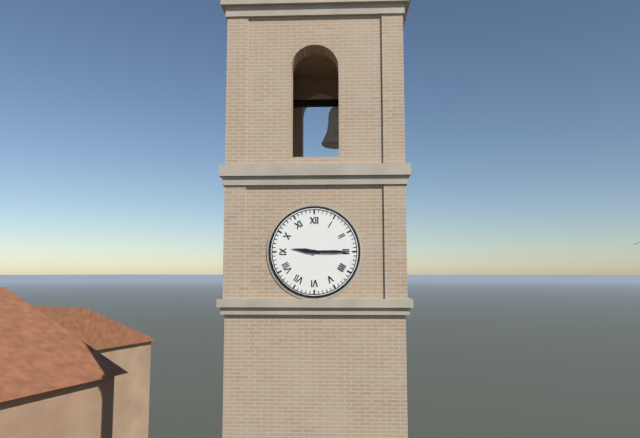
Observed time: 9h15
